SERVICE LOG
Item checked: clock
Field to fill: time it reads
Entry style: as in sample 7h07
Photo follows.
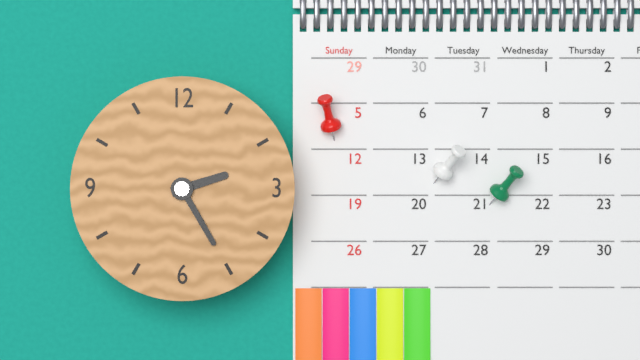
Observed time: 2h25
